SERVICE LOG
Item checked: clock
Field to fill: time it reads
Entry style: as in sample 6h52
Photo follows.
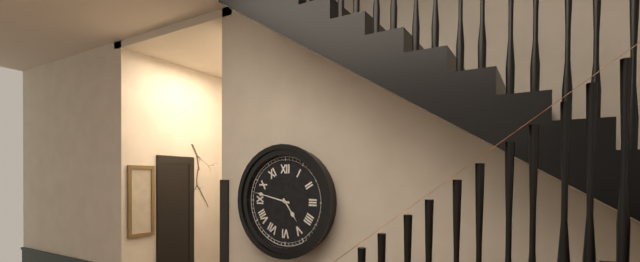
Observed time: 4h47
